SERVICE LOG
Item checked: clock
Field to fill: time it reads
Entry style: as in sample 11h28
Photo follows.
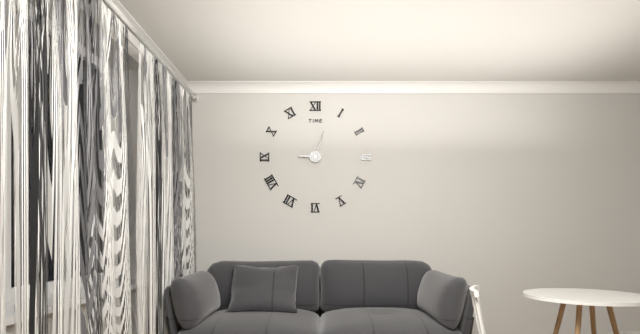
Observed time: 9h03
